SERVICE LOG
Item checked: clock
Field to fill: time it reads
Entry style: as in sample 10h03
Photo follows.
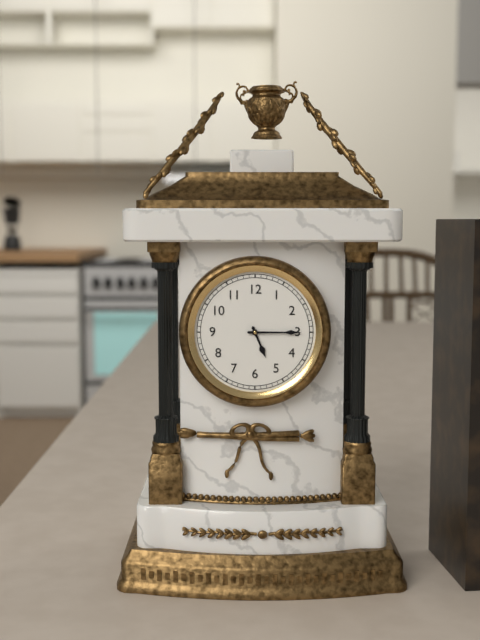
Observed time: 5h15
